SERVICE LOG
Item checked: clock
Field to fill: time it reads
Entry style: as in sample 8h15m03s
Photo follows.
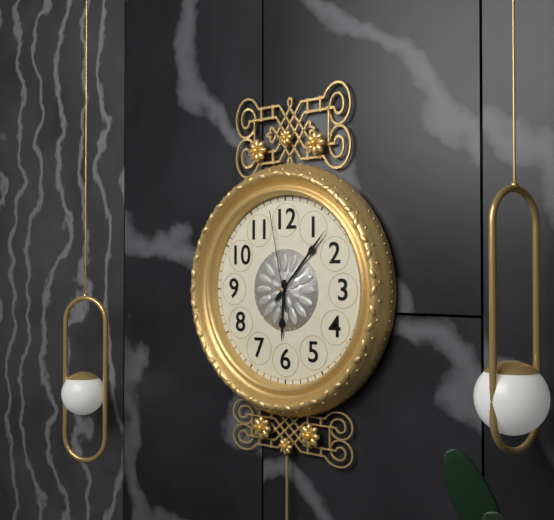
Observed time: 6h07m58s
